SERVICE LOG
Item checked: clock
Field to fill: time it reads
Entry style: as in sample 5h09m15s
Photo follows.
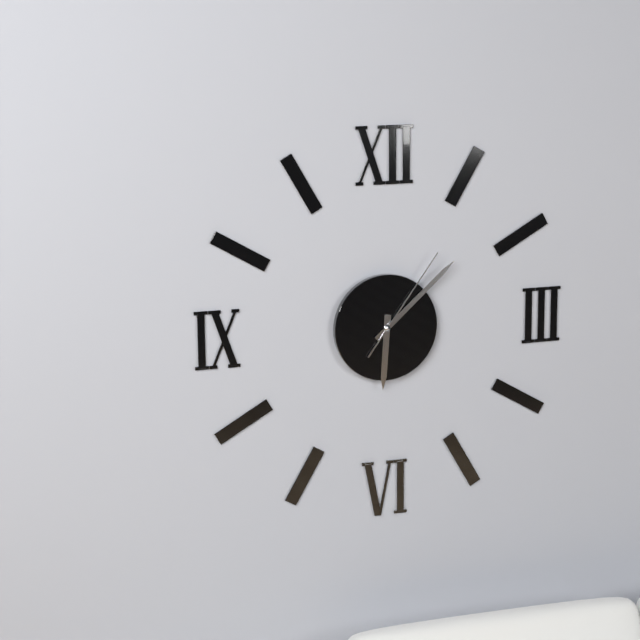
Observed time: 6h08m06s
